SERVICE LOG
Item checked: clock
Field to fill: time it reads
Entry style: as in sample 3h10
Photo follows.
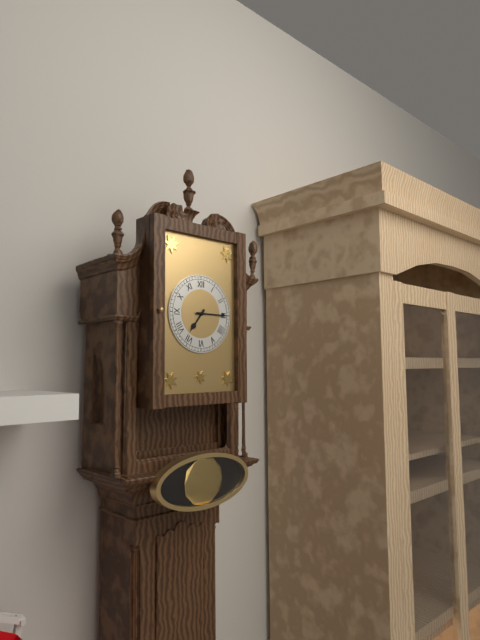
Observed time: 7h15
